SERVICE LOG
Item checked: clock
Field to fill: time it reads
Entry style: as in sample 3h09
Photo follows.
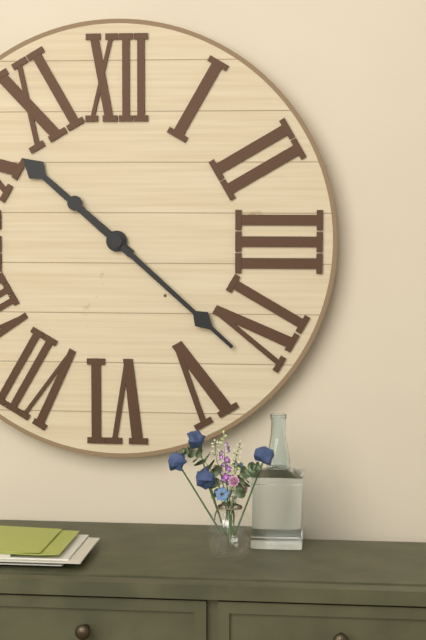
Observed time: 10h22
